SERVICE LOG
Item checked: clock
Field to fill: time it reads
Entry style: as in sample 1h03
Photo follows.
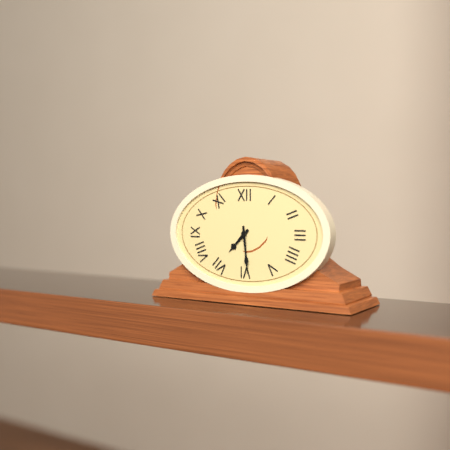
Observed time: 7h29
